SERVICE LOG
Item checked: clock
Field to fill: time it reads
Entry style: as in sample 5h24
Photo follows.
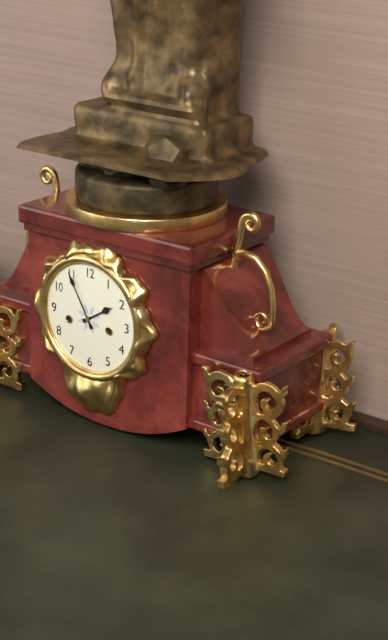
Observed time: 1h55
